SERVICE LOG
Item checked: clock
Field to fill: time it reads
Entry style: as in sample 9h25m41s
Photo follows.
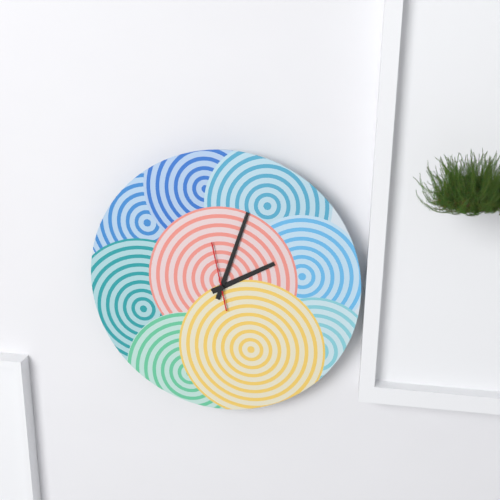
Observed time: 2h03m58s
